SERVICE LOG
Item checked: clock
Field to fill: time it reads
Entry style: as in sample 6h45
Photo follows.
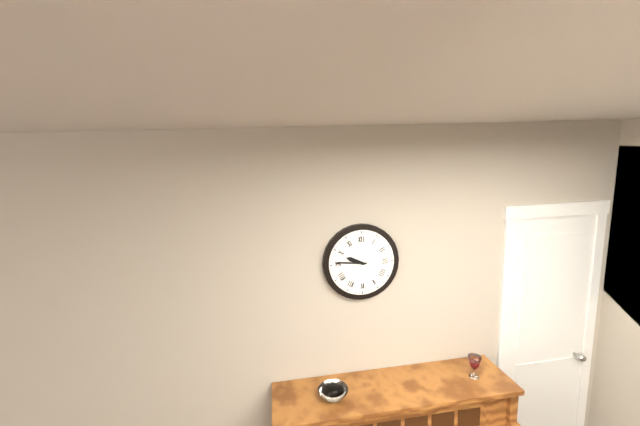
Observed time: 9h46
